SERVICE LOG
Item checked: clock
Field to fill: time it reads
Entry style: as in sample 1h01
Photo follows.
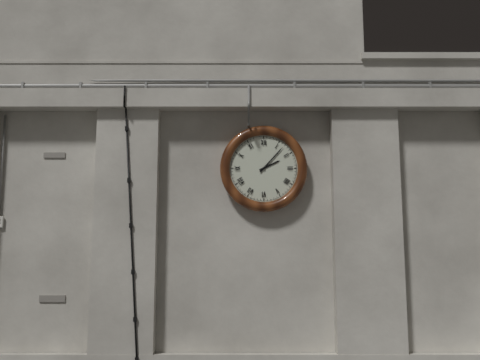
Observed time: 2h07
